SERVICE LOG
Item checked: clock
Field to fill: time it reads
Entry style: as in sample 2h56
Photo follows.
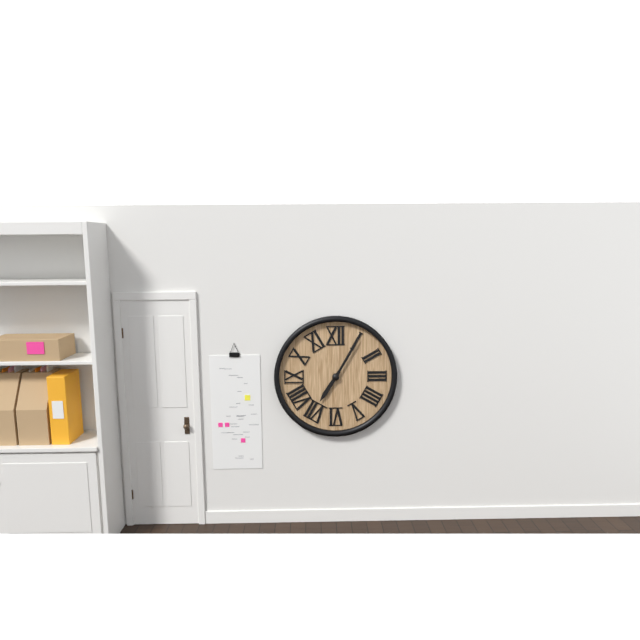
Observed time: 7h05
